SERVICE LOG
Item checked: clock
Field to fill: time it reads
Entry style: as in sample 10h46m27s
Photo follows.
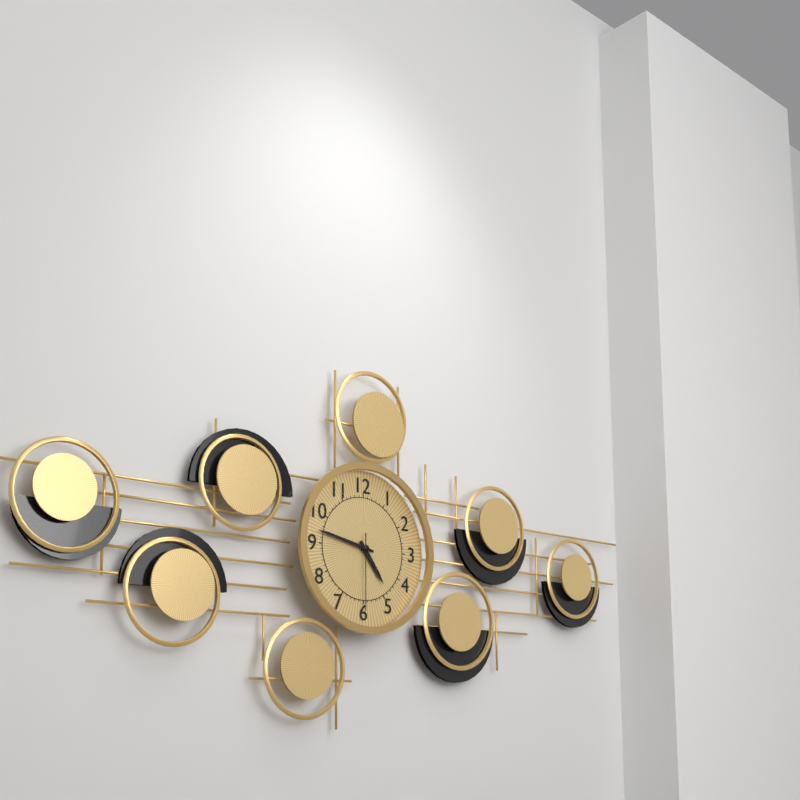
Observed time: 4h47m30s
